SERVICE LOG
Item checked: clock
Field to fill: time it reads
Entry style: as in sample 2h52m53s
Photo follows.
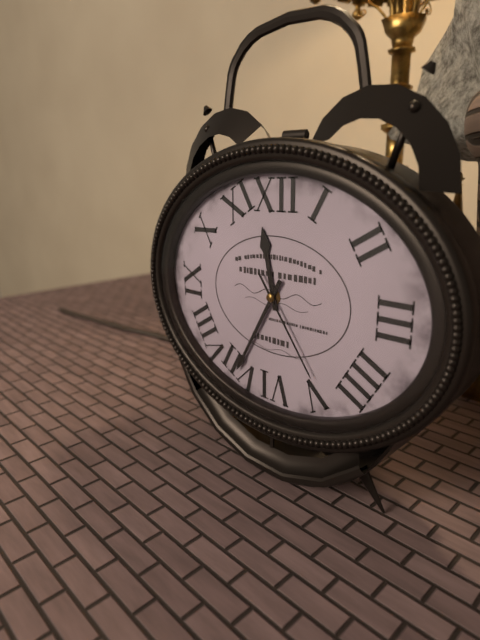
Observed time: 11h35m24s
